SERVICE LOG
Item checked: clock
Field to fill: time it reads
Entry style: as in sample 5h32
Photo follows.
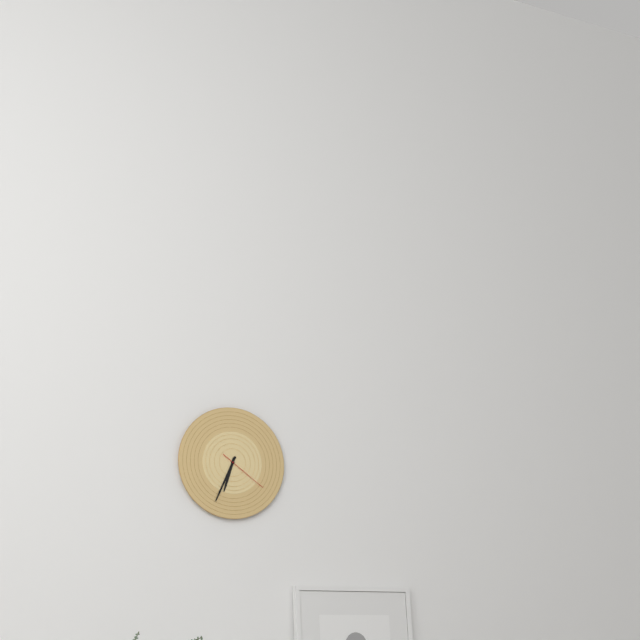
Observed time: 6h34
